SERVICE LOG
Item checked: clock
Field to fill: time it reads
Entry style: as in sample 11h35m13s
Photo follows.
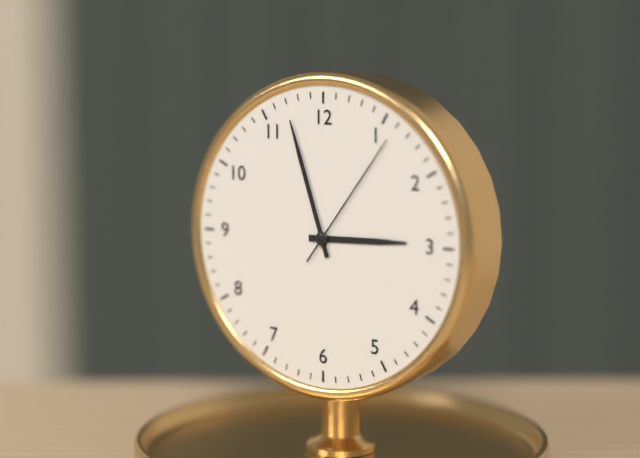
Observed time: 2h57m06s
